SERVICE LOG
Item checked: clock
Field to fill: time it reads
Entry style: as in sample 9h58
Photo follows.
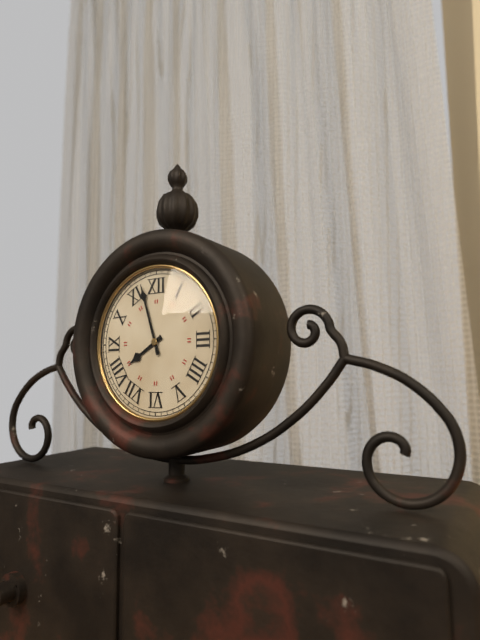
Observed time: 7h57
